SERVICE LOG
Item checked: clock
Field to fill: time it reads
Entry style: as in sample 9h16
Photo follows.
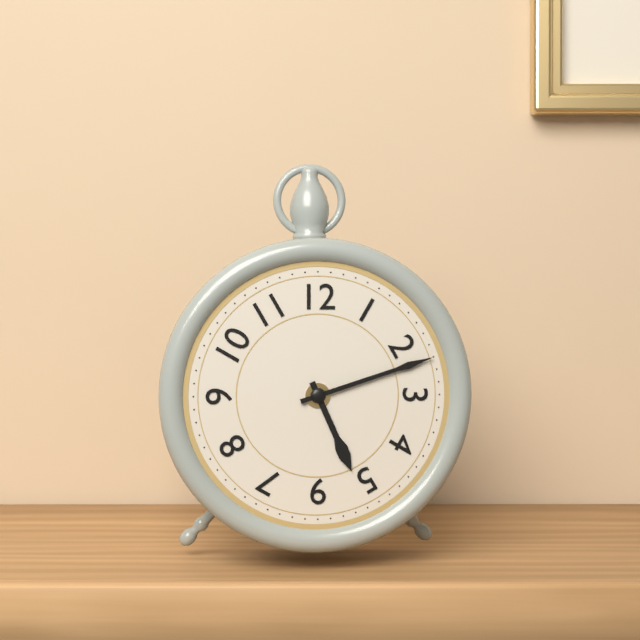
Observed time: 5h12
